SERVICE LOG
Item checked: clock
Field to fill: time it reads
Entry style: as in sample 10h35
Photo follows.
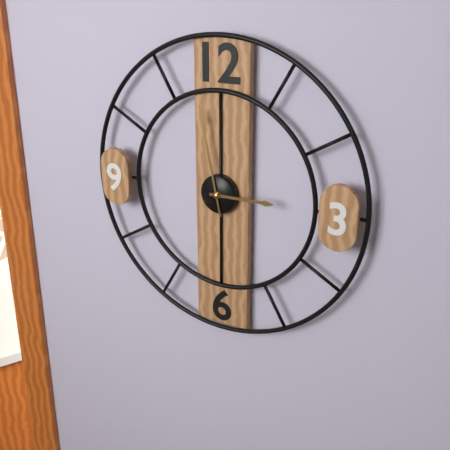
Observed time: 2h58
